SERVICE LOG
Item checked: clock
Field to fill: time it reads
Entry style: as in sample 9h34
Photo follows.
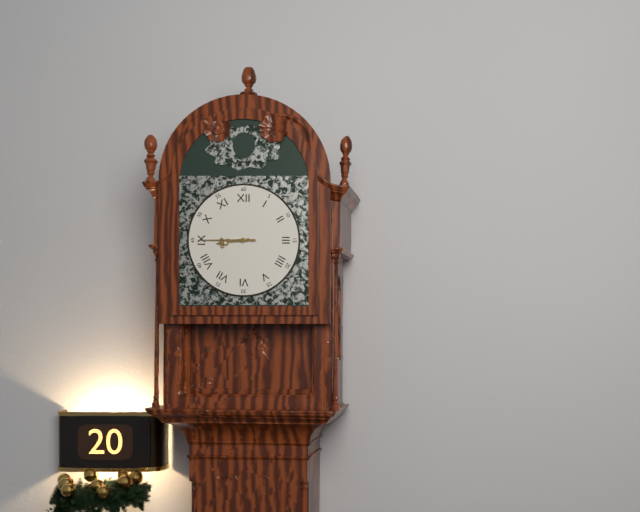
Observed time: 8h45
